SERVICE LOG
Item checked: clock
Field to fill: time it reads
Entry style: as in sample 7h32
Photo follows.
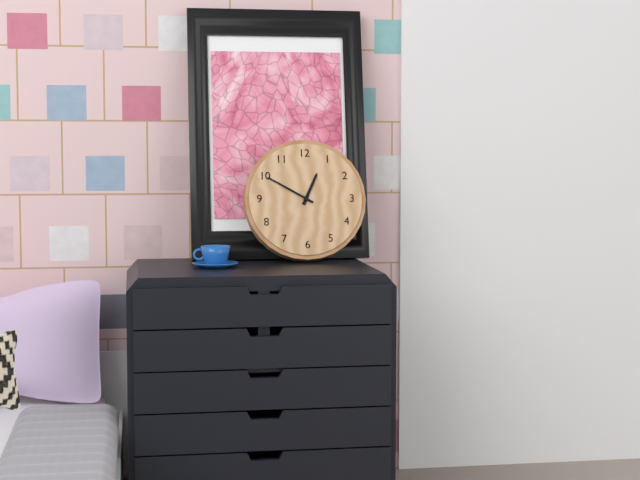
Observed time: 12h50
